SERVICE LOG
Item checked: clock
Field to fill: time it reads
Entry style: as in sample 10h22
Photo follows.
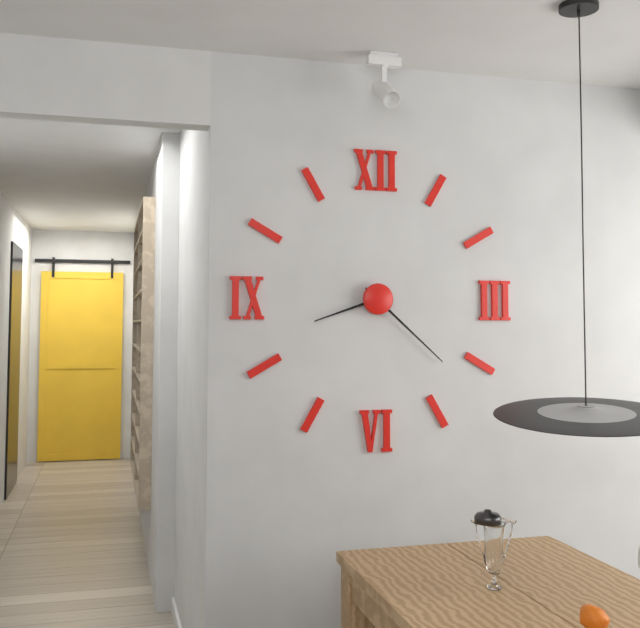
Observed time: 8h22
